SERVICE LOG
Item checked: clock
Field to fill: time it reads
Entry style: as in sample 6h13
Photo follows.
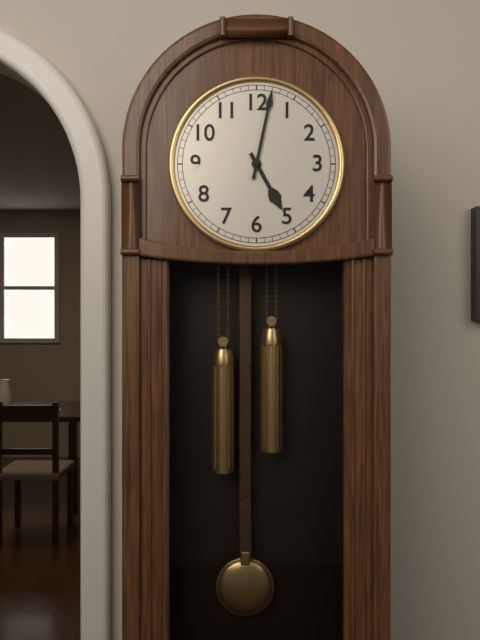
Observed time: 5h02
